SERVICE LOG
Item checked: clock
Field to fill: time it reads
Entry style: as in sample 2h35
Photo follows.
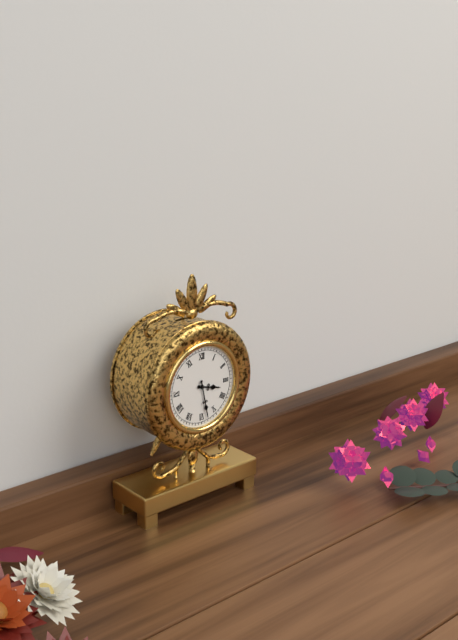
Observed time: 3h28
